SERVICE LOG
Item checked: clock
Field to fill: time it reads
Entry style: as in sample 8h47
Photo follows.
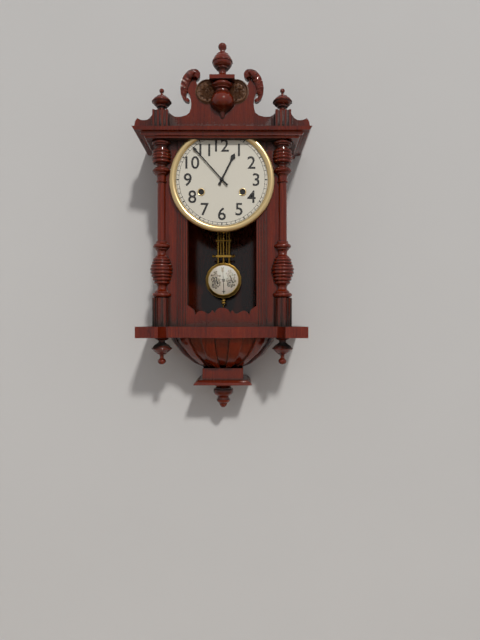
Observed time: 12h53
